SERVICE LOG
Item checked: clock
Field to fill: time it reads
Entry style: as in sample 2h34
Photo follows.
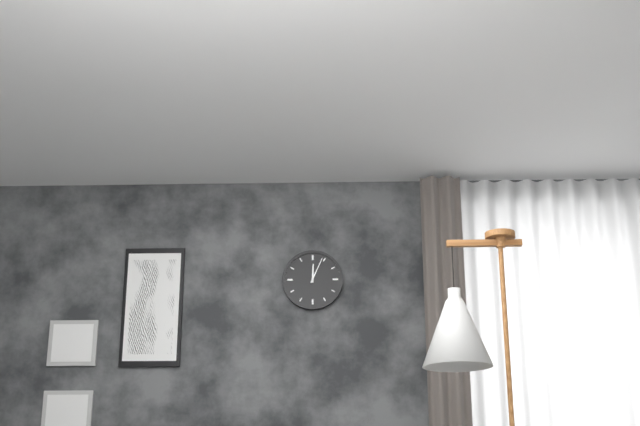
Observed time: 12h04
